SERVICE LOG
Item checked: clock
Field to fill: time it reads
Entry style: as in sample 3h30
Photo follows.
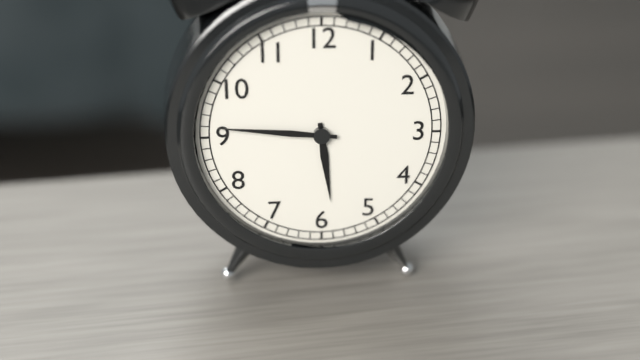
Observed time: 5h46
